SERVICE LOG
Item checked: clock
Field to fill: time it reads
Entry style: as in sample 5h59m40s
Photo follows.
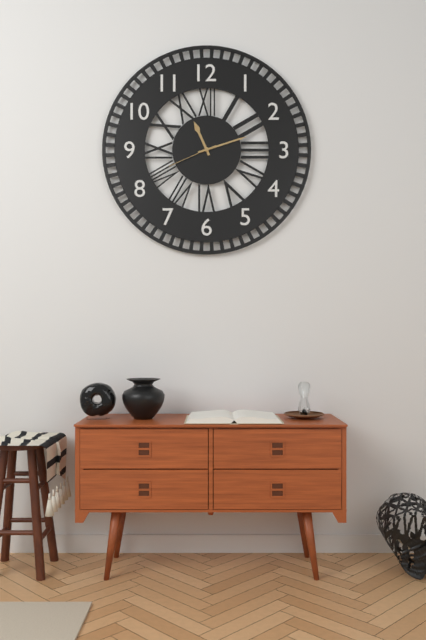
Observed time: 11h12m41s
